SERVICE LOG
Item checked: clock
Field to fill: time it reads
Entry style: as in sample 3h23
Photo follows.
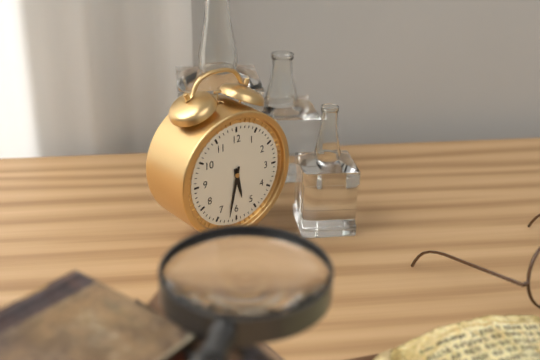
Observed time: 5h32
